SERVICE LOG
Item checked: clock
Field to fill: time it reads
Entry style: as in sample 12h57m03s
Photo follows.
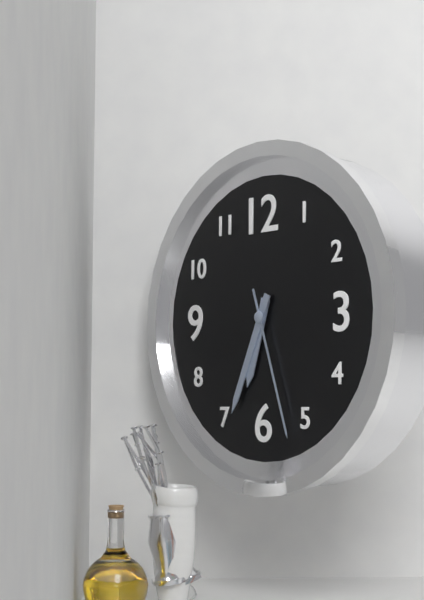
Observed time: 6h34m27s
